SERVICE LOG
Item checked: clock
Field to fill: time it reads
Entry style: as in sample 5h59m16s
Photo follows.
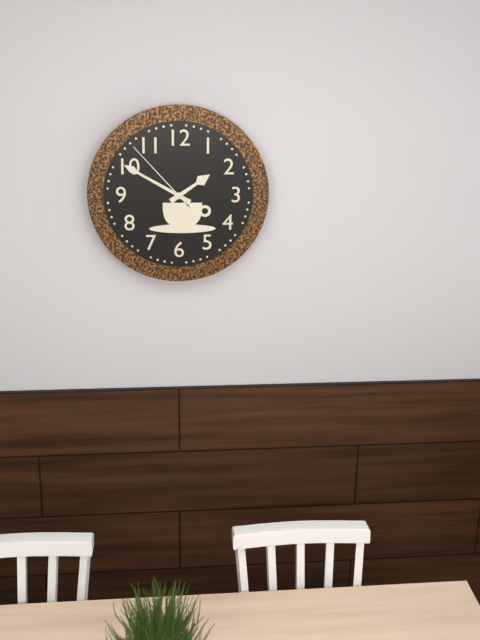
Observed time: 1h50m53s
